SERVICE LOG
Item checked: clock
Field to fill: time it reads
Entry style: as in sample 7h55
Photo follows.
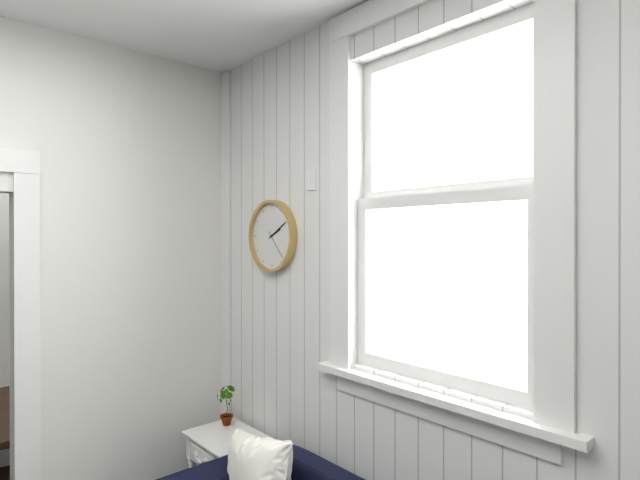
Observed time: 2h10
